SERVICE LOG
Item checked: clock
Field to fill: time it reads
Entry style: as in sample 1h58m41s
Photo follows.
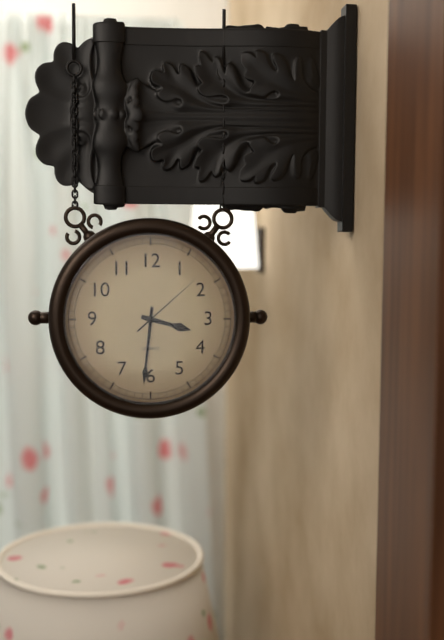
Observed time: 3h31m08s
